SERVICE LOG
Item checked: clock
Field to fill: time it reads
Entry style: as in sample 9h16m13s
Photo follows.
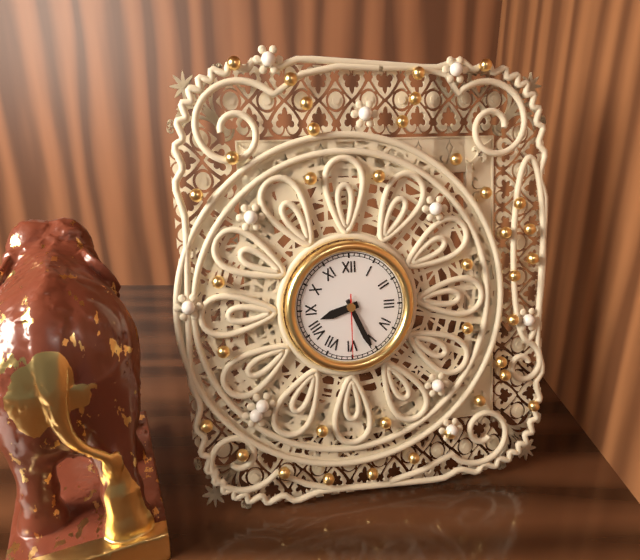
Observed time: 8h26m30s
